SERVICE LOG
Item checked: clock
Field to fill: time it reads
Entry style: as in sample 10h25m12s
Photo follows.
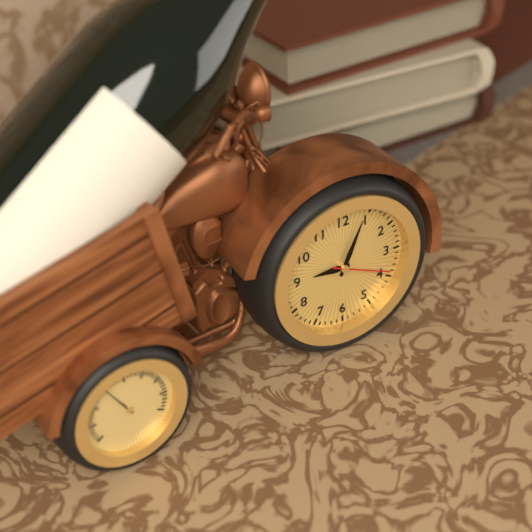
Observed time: 9h04m19s
